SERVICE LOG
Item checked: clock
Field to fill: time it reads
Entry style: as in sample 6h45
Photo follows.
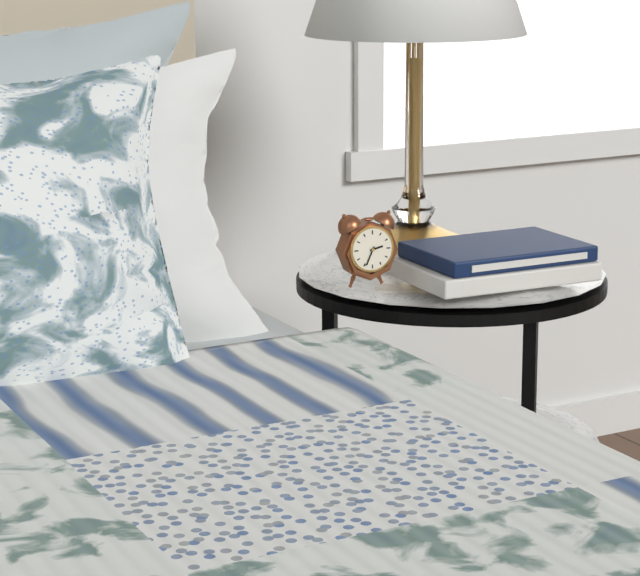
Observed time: 2h34
